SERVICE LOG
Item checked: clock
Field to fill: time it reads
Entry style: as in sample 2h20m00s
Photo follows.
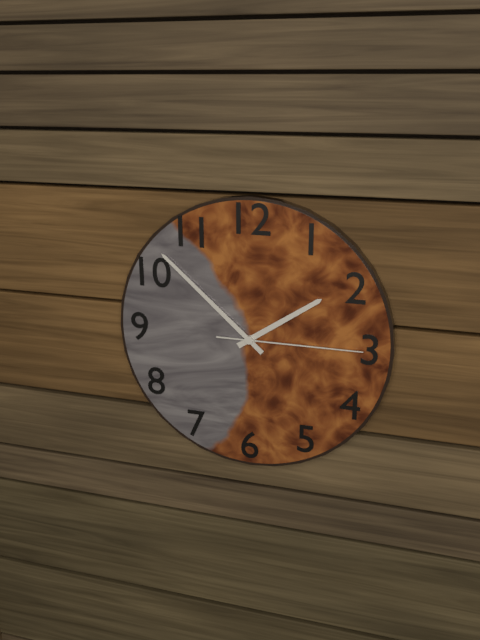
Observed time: 1h52m15s
